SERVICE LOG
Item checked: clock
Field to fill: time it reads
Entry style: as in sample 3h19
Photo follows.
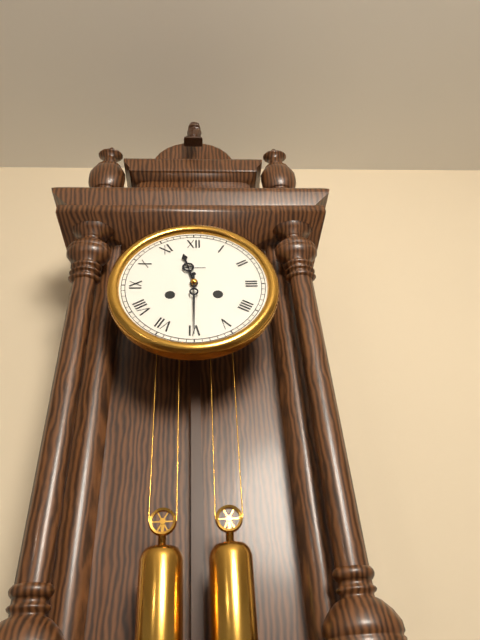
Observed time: 11h30
